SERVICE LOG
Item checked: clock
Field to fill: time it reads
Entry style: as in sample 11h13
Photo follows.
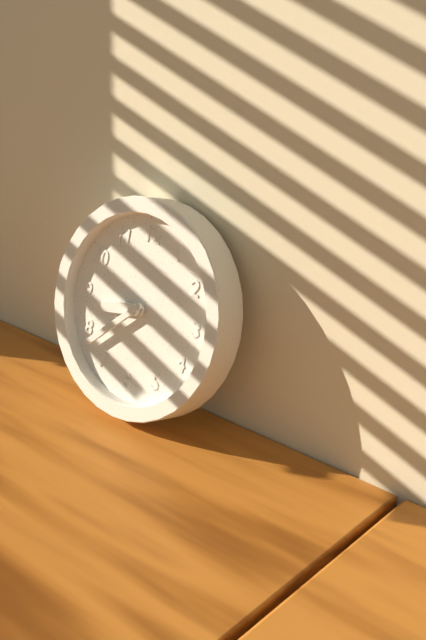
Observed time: 8h38
